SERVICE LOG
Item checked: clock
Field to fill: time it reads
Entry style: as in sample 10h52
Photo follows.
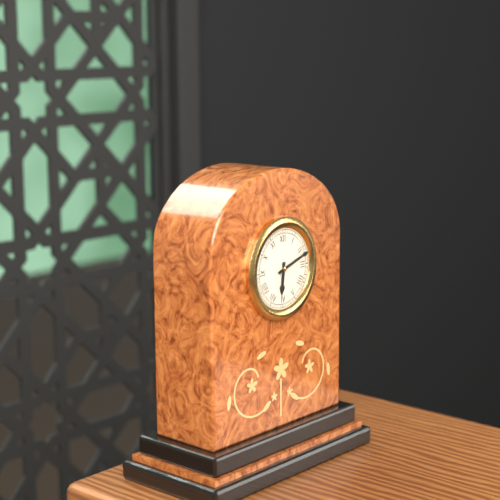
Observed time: 6h12
